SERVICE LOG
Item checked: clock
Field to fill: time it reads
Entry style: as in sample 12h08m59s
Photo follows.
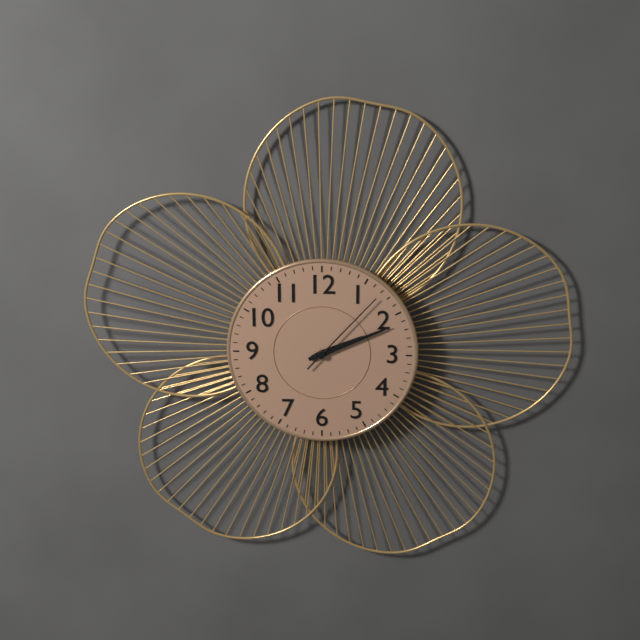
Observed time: 2h11m07s
